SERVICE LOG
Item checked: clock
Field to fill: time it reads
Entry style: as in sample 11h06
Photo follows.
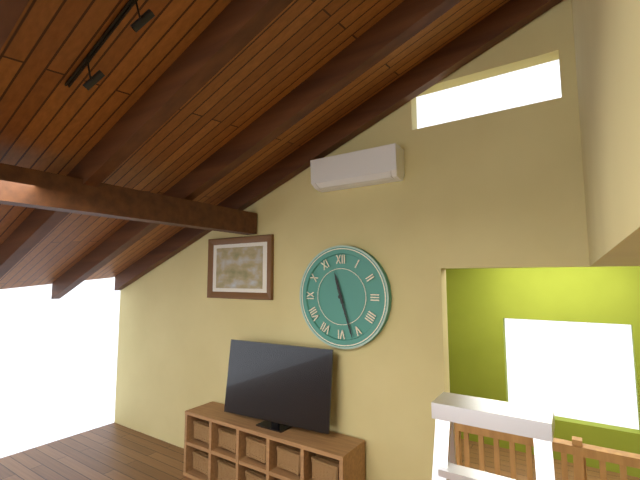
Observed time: 11h27
